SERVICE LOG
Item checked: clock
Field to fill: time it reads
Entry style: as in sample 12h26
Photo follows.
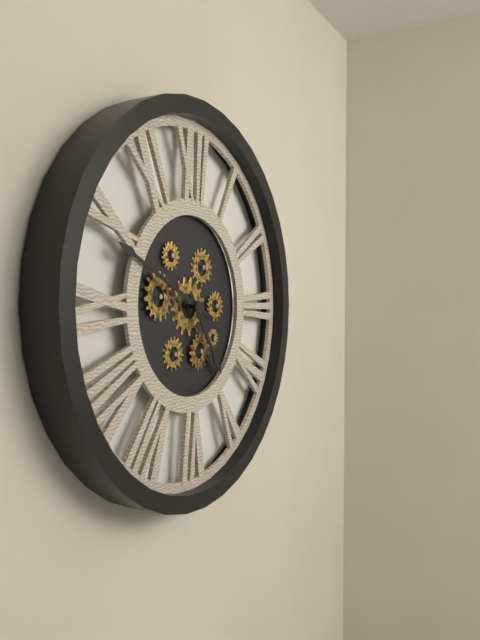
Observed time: 4h49
